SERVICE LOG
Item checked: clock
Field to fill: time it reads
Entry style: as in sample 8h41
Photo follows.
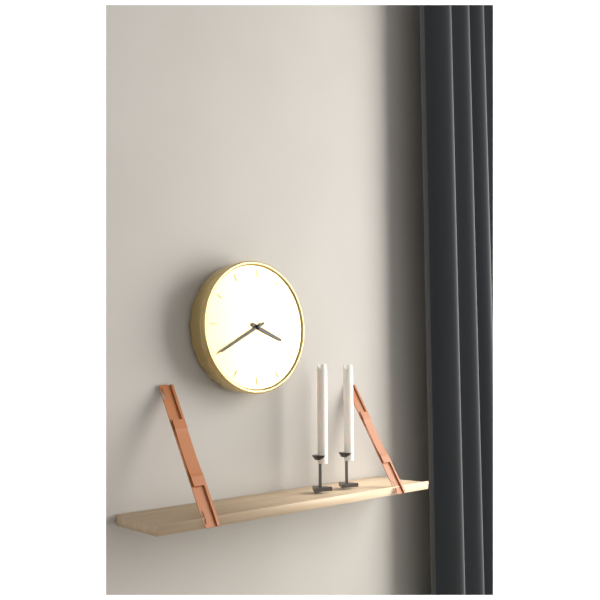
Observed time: 3h40
